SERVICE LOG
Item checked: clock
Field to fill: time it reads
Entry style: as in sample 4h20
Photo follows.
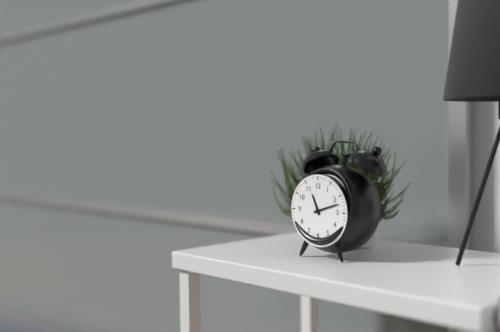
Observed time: 11h12
